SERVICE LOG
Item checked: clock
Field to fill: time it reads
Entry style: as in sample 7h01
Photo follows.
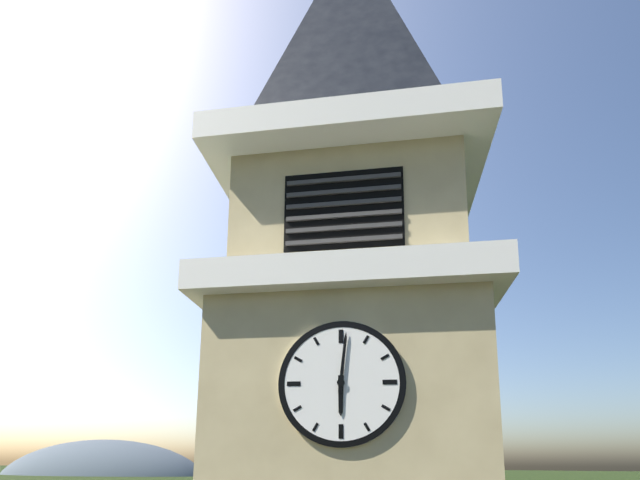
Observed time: 6h01
